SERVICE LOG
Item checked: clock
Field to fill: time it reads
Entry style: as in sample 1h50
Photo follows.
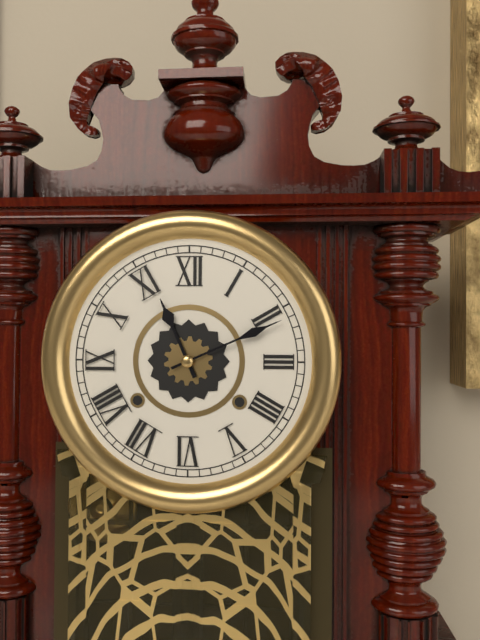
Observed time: 11h11
